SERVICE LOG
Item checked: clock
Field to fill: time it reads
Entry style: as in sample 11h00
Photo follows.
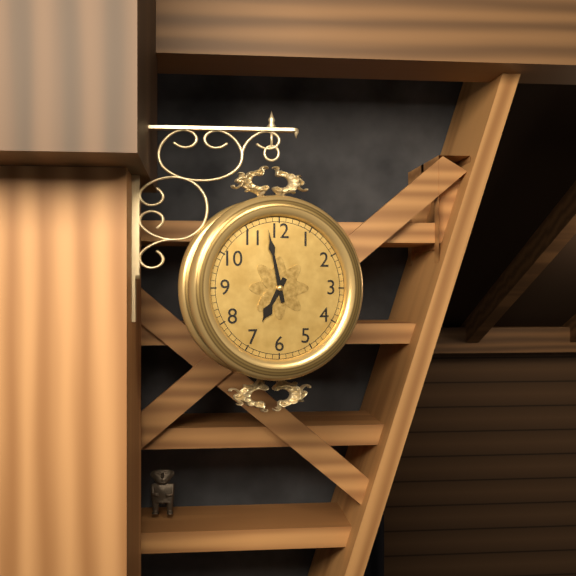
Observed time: 6h58
